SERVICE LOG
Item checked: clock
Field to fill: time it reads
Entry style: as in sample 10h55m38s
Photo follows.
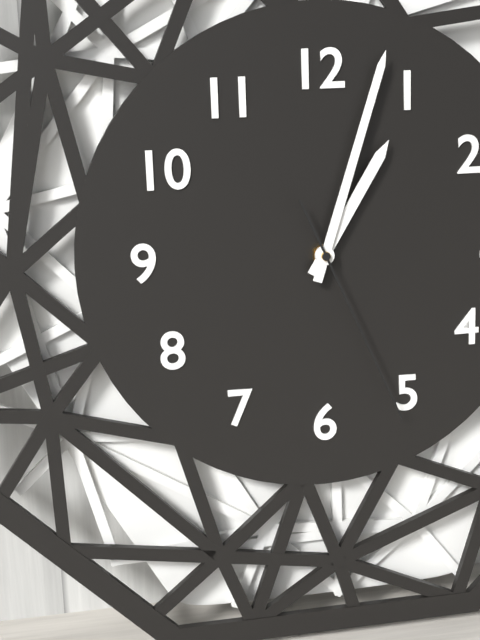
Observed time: 1h03m26s
